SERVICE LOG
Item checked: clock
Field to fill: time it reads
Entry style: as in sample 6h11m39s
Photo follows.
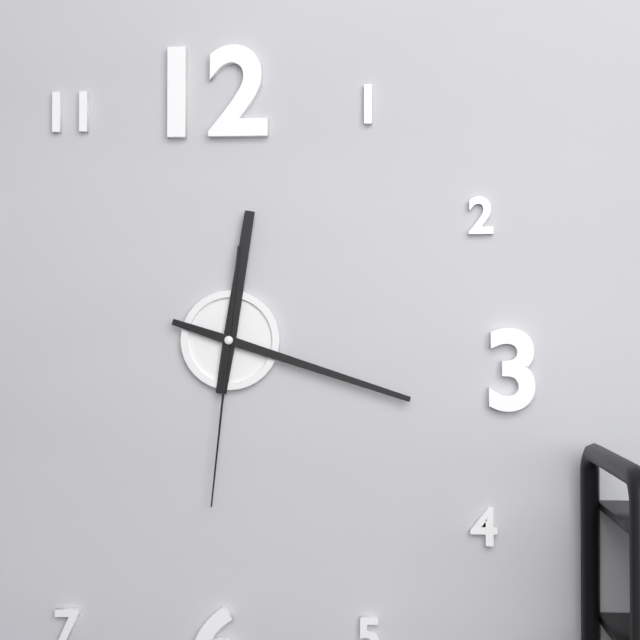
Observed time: 12h18m31s
